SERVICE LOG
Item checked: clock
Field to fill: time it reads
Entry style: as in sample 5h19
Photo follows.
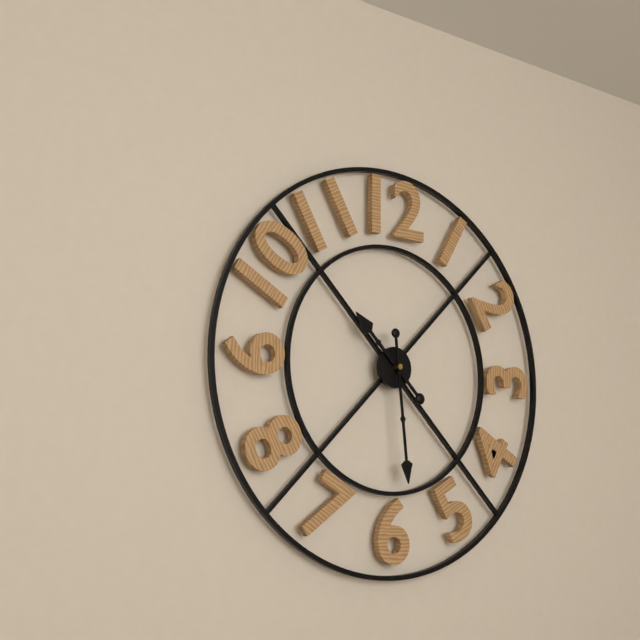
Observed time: 10h29
